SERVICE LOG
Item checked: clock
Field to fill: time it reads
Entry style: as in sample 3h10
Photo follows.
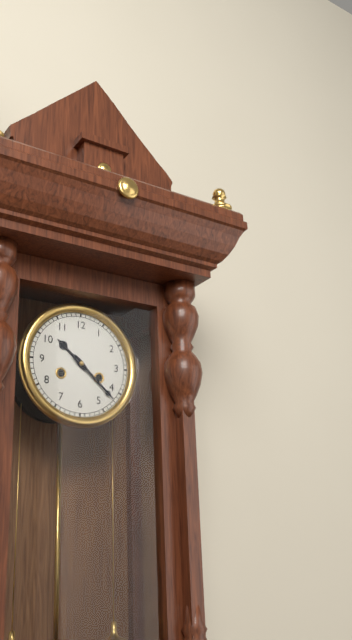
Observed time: 10h22
